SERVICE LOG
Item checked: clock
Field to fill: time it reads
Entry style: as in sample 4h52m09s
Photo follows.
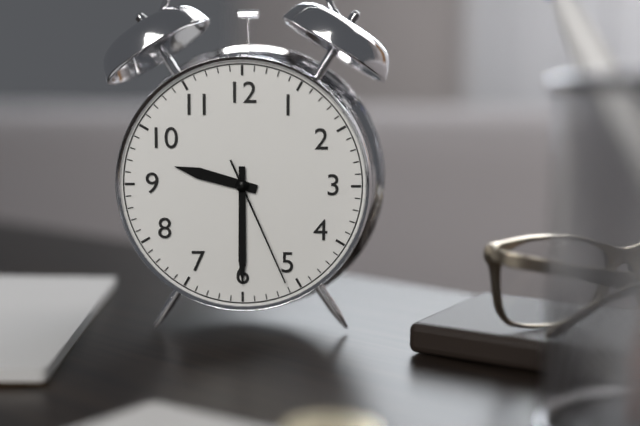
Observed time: 9h30m26s
